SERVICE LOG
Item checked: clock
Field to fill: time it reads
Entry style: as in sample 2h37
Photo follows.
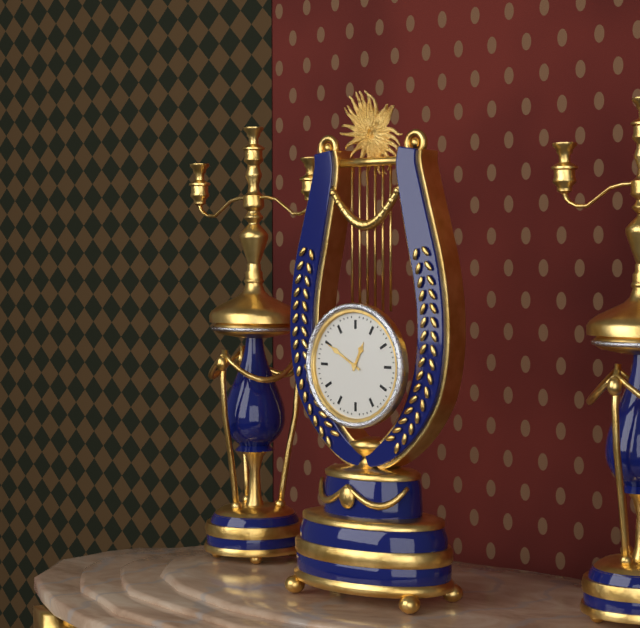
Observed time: 12h50
